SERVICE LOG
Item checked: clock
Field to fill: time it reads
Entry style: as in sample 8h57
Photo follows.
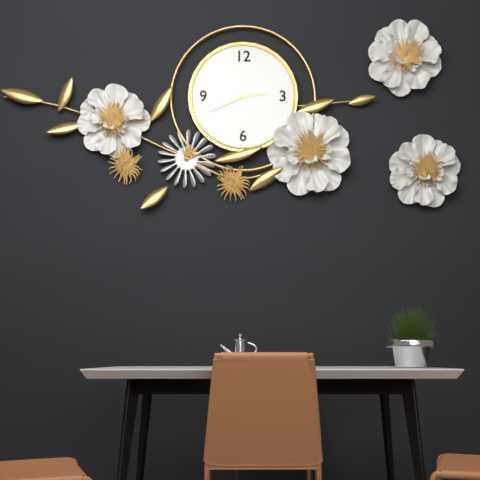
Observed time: 2h41
